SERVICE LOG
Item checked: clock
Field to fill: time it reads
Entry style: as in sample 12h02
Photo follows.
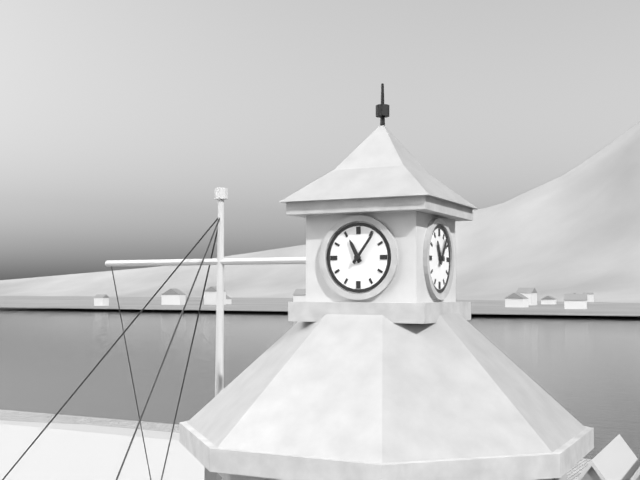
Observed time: 11h06
